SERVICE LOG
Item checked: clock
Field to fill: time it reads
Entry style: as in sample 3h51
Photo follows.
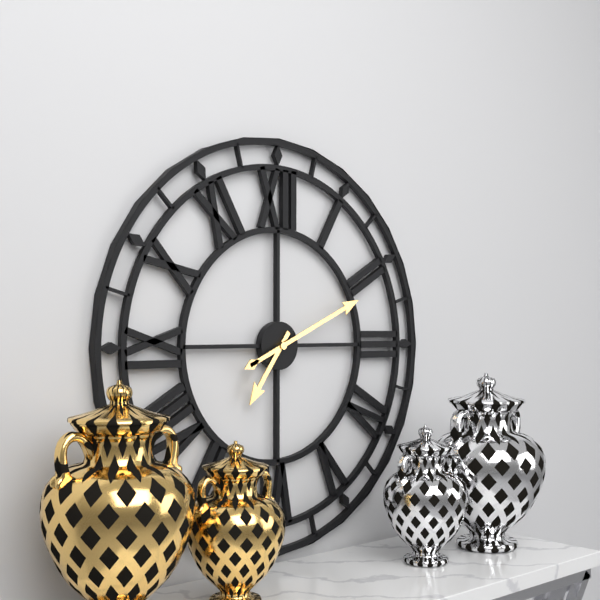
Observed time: 7h11
